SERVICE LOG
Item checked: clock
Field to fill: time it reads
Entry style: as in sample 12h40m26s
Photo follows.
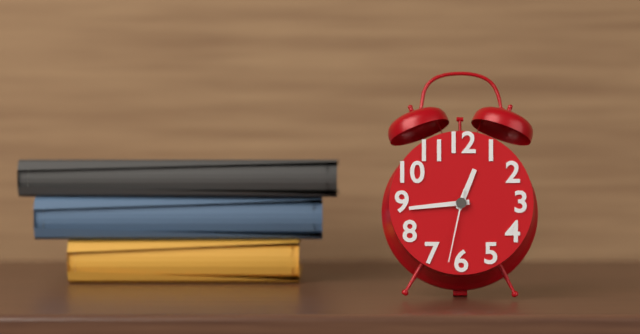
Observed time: 12h44m32s
